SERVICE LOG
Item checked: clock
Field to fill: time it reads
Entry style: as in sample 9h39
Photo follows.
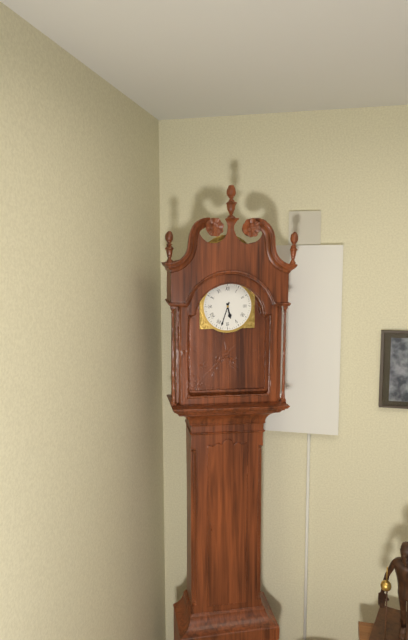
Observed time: 5h33
